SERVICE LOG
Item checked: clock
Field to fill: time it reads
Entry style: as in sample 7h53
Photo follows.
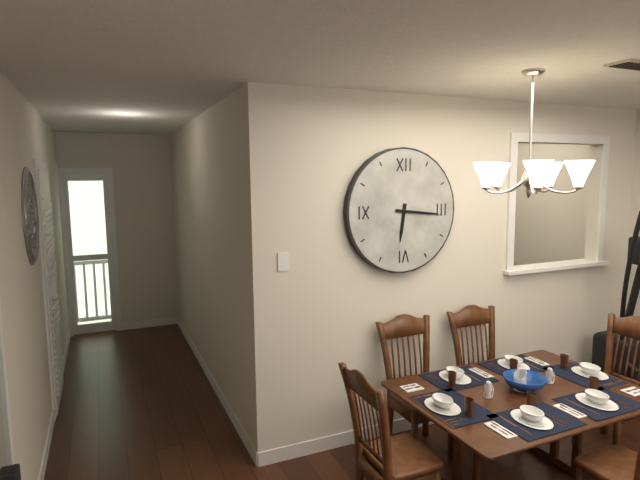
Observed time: 6h16
